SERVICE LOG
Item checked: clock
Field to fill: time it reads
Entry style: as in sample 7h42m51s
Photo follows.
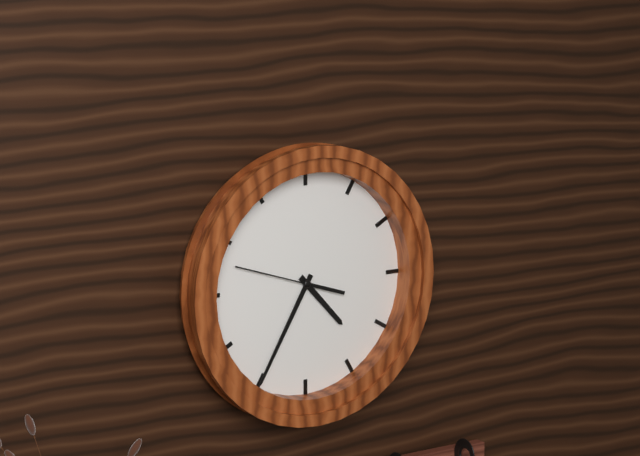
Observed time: 4h35m48s
